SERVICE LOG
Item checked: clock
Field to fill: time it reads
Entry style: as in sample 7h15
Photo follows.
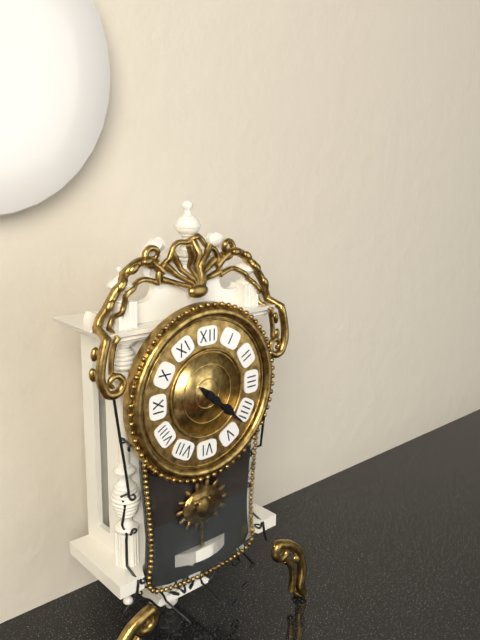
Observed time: 4h22
